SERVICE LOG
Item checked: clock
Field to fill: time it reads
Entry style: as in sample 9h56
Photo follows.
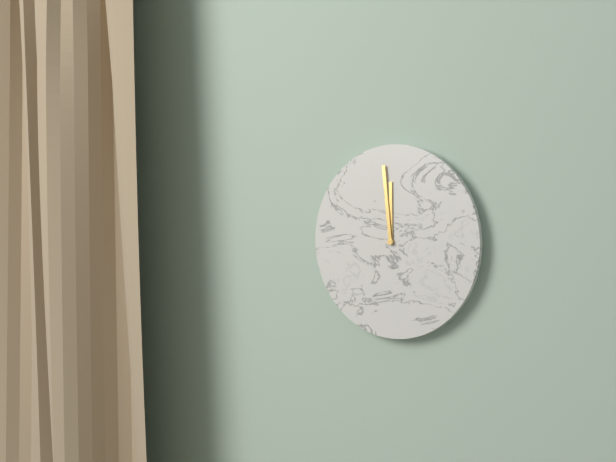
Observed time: 11h59
